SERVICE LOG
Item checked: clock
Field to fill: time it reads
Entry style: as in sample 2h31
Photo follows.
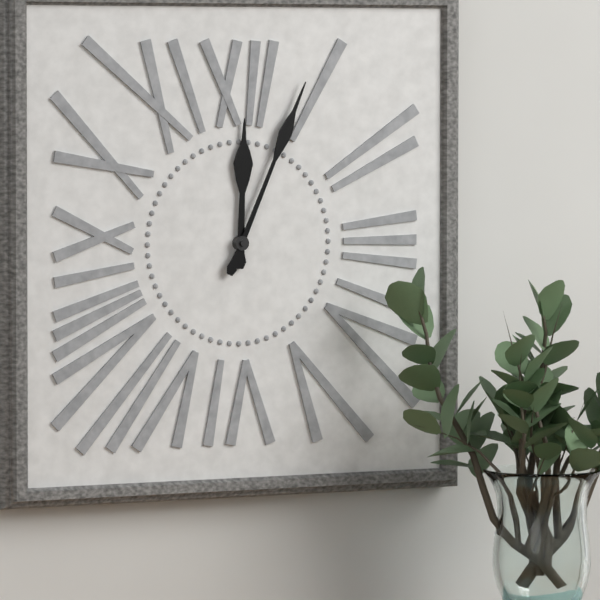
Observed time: 12h04
